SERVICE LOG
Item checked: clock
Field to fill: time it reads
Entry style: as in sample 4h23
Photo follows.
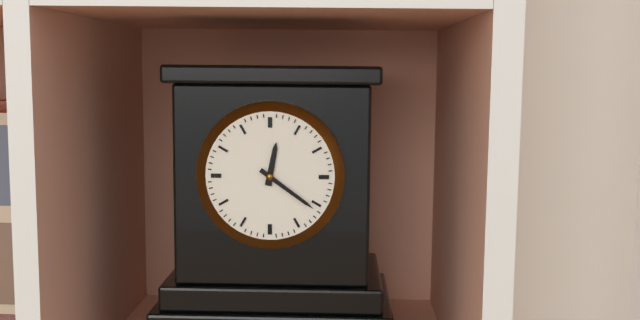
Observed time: 12h21
